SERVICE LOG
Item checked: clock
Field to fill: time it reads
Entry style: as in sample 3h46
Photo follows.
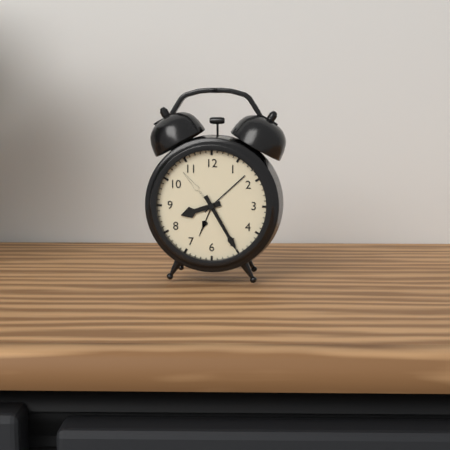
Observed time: 8h25
